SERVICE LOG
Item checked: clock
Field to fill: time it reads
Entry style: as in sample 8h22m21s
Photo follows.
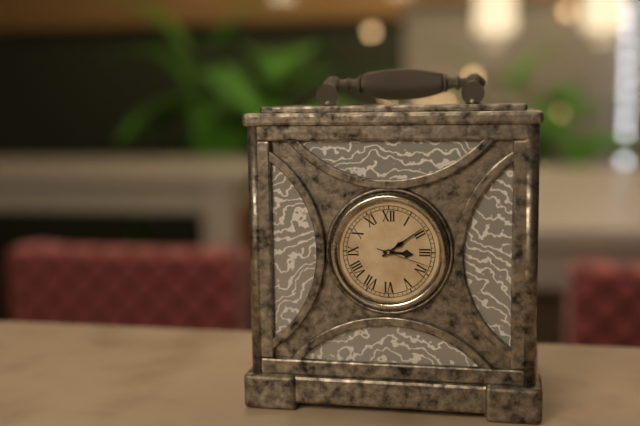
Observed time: 3h09m18s
